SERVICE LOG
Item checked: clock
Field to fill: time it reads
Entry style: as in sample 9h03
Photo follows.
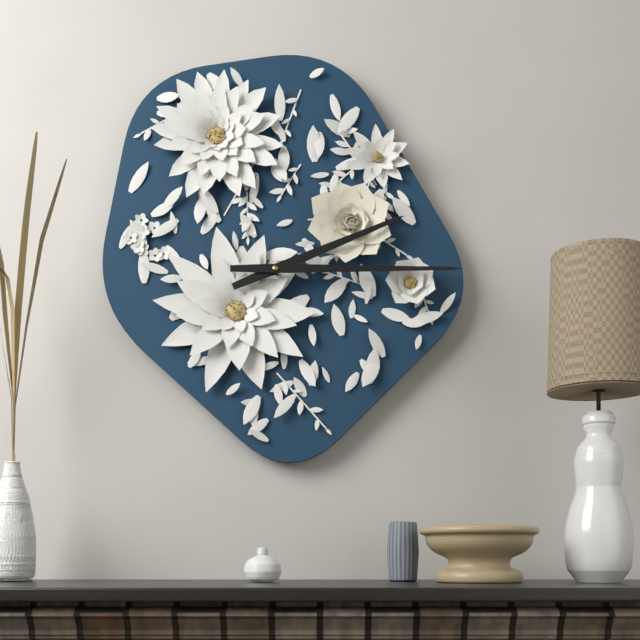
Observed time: 2h15
